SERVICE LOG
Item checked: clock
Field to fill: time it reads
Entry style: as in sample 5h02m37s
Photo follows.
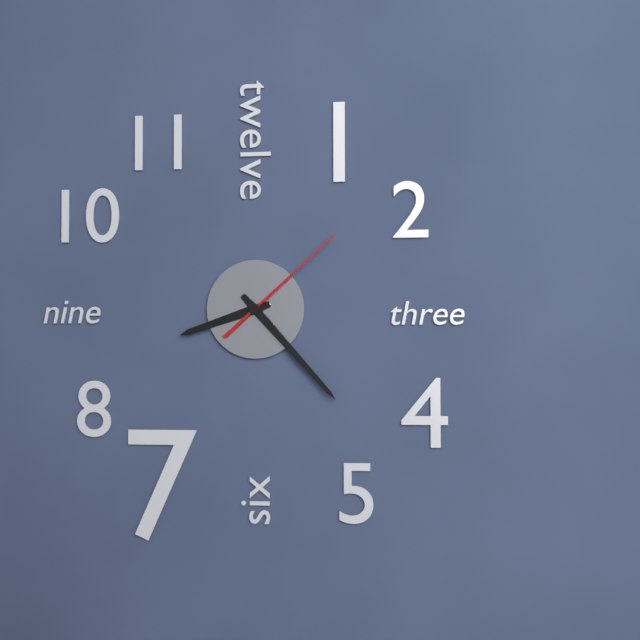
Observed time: 8h23m08s
